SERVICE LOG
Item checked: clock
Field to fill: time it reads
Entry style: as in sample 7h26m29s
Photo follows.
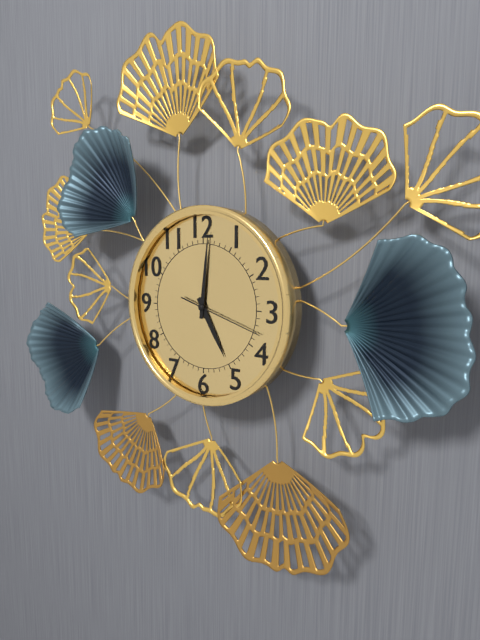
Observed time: 5h01m18s
